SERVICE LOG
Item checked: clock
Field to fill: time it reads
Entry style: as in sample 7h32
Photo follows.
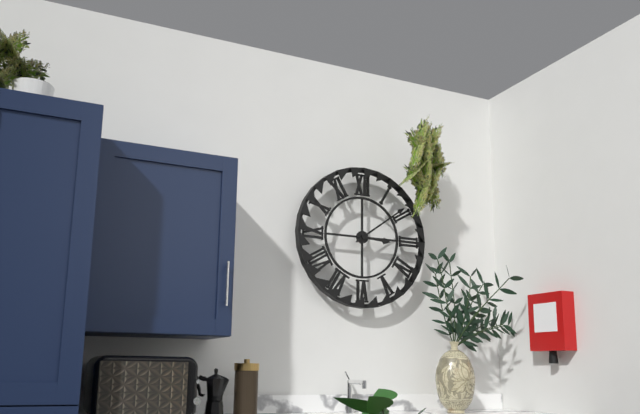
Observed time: 3h09
